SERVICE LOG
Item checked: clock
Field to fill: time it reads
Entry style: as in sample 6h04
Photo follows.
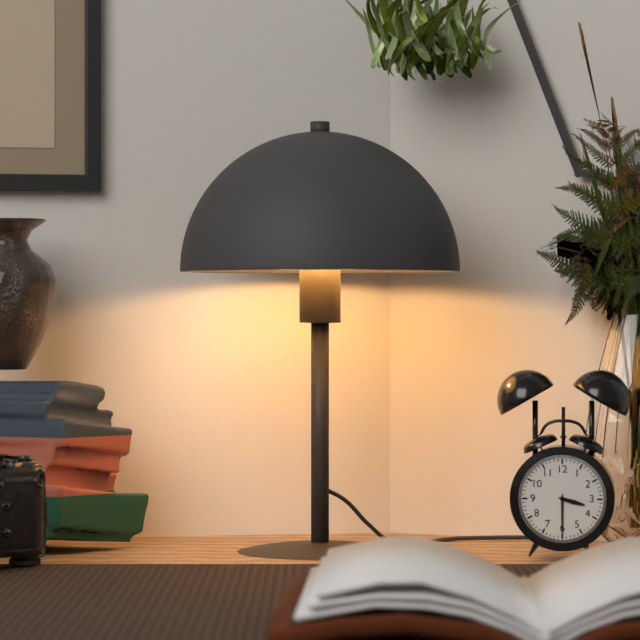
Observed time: 3h30
